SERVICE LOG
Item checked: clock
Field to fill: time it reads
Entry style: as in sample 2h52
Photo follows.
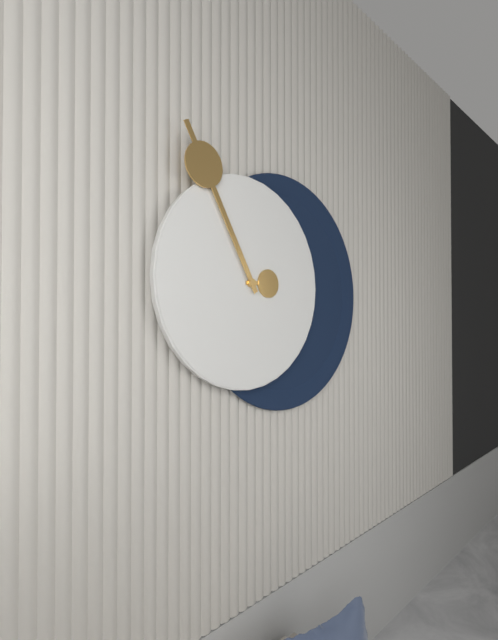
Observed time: 2h55
